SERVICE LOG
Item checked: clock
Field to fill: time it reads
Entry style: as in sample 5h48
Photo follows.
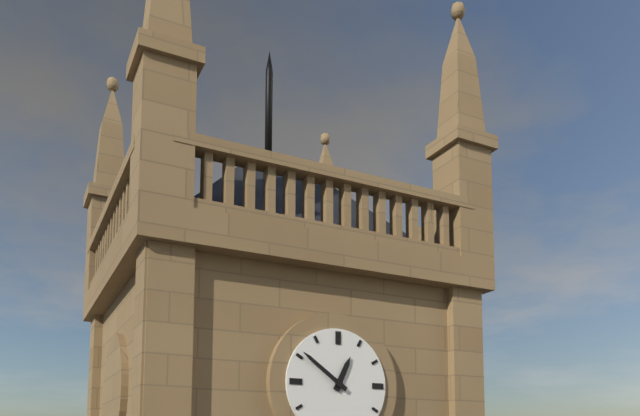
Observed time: 12h51
